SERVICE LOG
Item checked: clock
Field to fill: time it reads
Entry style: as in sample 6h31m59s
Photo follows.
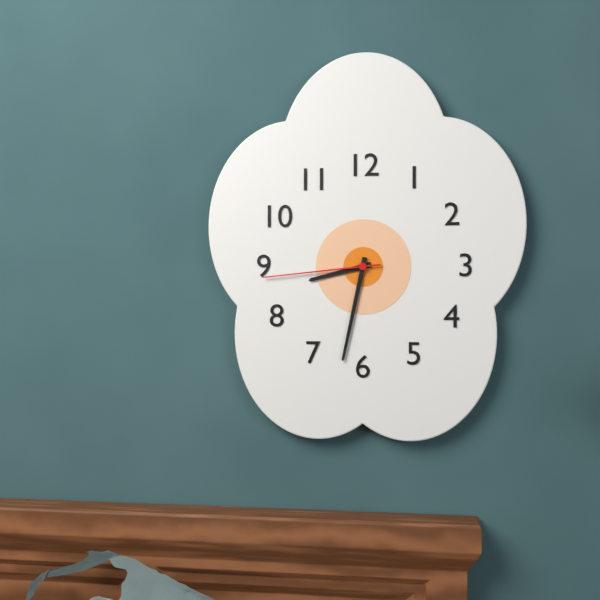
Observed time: 8h32m44s
